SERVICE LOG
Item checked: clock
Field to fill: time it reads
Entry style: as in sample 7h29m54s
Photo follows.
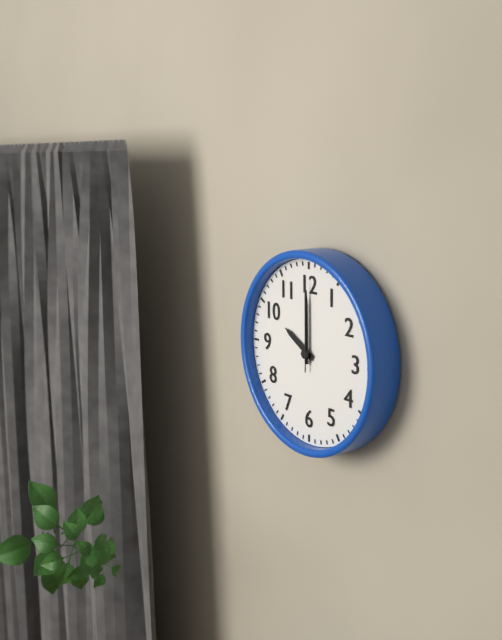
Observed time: 10h00m00s
